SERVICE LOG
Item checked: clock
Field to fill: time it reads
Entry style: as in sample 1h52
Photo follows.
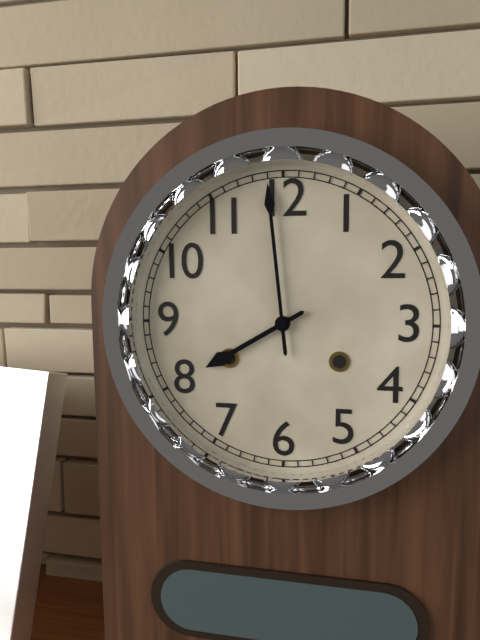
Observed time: 7h59
